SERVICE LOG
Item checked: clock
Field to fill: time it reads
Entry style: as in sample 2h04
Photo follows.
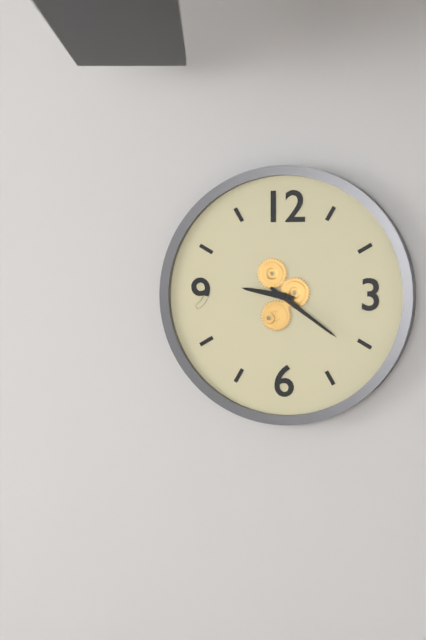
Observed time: 9h21
